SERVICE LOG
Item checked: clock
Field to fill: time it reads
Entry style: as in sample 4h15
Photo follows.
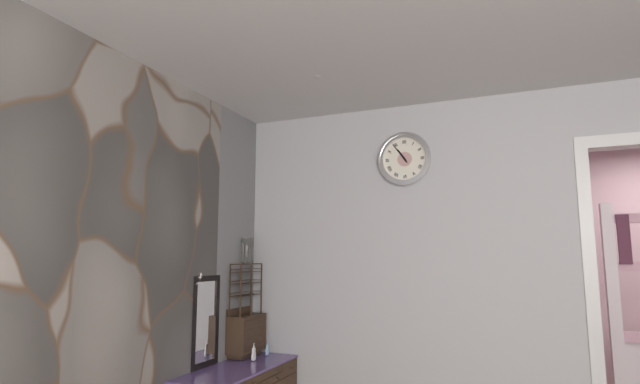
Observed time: 10h54
